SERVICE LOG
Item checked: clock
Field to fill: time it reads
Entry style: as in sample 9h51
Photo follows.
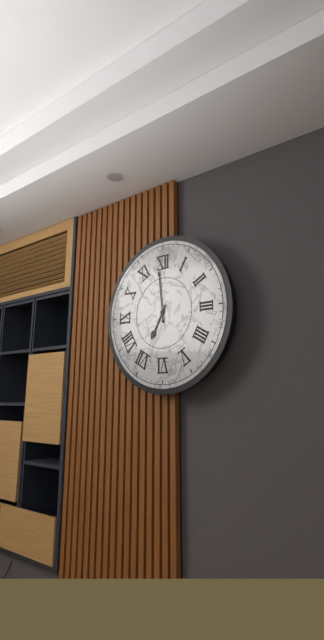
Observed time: 6h59
